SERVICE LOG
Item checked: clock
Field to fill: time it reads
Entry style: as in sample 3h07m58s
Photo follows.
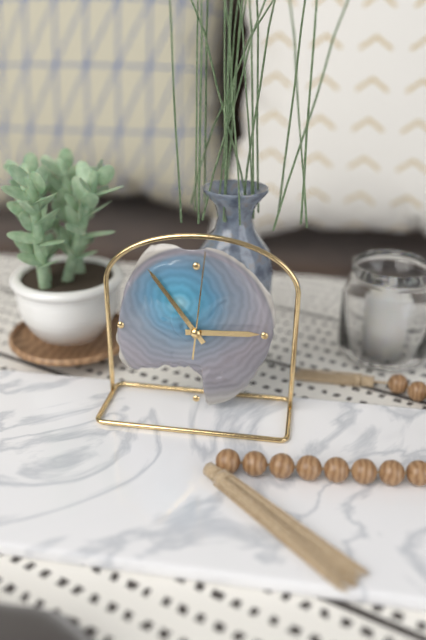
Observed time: 2h54m01s
